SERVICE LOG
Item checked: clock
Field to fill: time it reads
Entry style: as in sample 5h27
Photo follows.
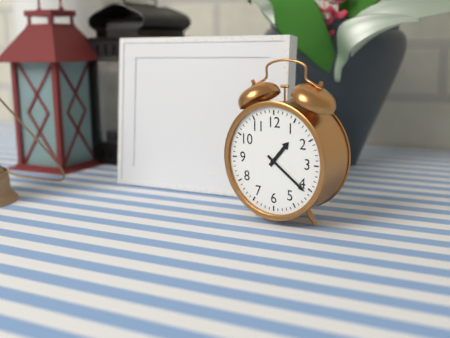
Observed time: 1h21
